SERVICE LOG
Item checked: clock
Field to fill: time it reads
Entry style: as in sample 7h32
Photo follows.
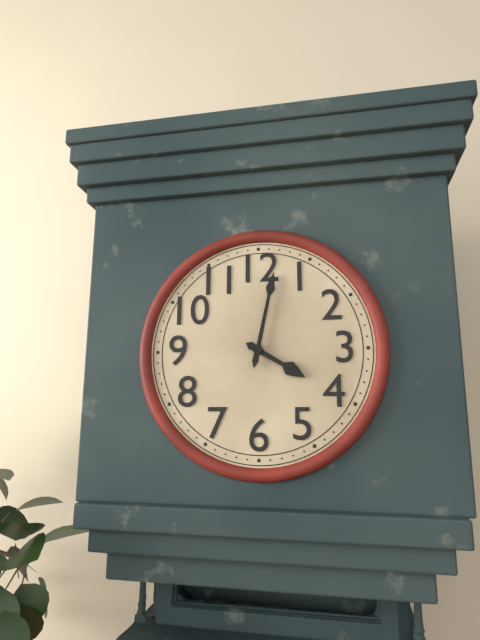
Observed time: 4h02
